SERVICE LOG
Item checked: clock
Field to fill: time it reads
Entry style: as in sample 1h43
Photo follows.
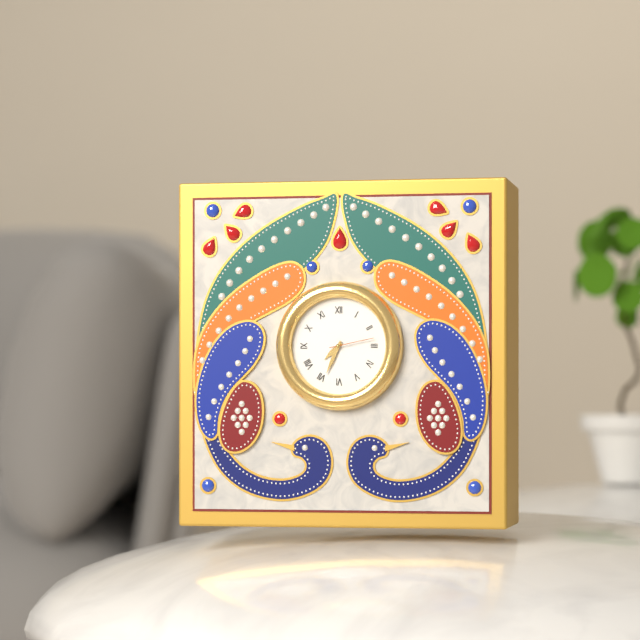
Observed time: 7h34
